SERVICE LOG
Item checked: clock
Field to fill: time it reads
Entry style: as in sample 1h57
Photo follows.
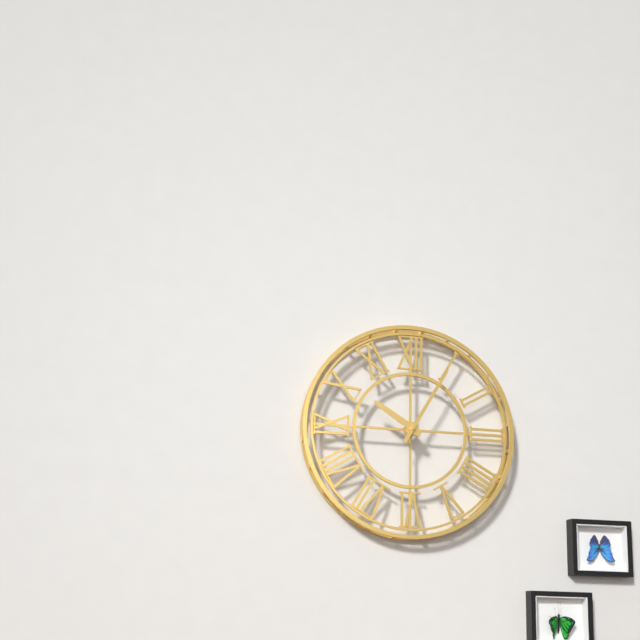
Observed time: 10h05
